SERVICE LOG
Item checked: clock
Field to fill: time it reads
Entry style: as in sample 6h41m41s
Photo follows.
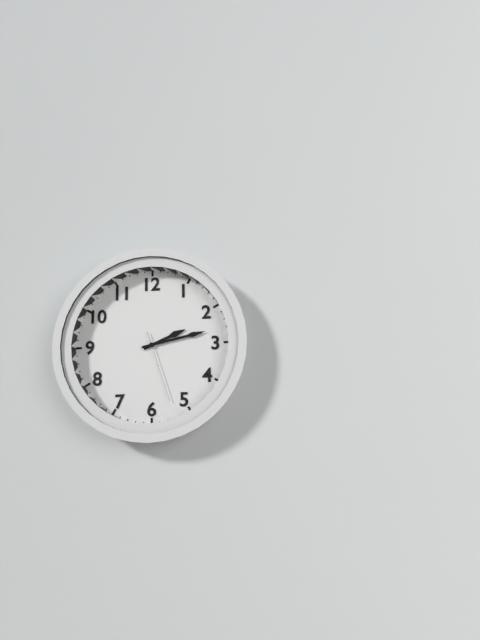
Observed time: 2h13m27s
